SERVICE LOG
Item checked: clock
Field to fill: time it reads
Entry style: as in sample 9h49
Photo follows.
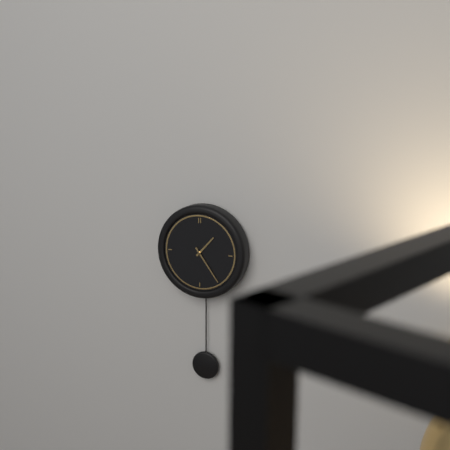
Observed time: 1h24
